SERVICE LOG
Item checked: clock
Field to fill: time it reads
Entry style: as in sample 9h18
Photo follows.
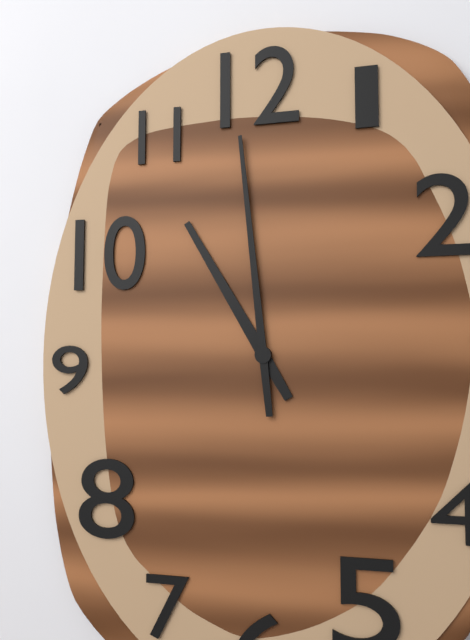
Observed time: 10h59
